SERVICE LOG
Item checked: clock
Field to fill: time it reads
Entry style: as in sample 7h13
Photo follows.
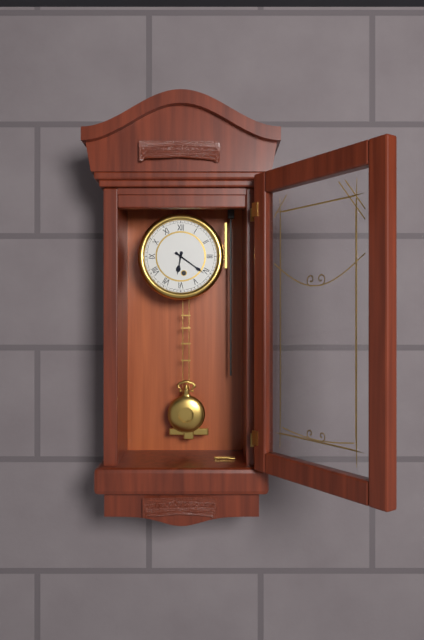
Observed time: 6h21
